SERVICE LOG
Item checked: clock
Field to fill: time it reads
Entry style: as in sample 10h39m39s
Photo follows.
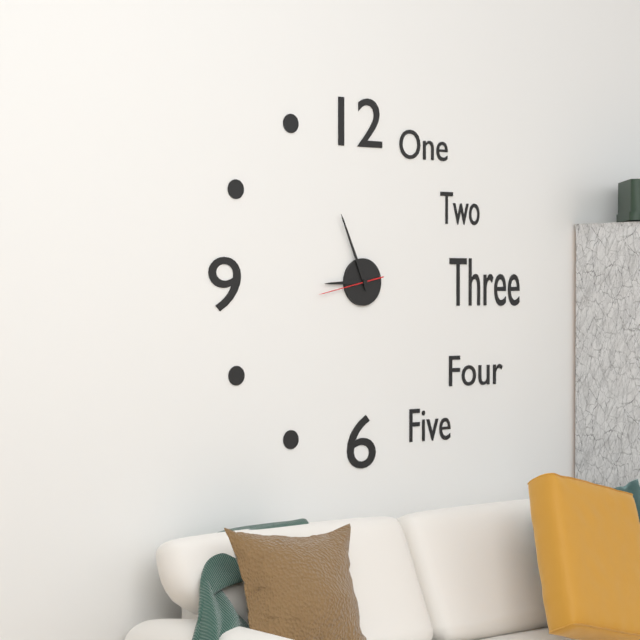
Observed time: 8h56m43s
